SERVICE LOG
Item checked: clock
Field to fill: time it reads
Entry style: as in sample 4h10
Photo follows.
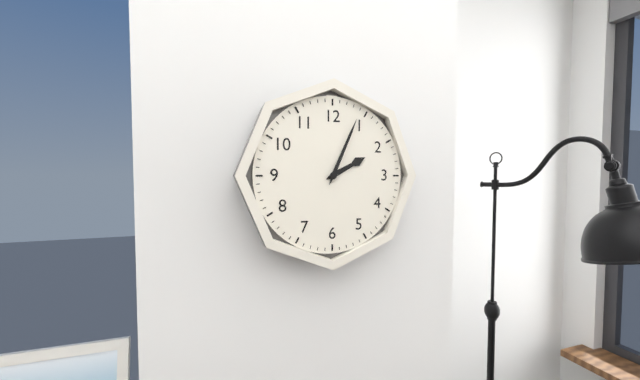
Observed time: 2h04
